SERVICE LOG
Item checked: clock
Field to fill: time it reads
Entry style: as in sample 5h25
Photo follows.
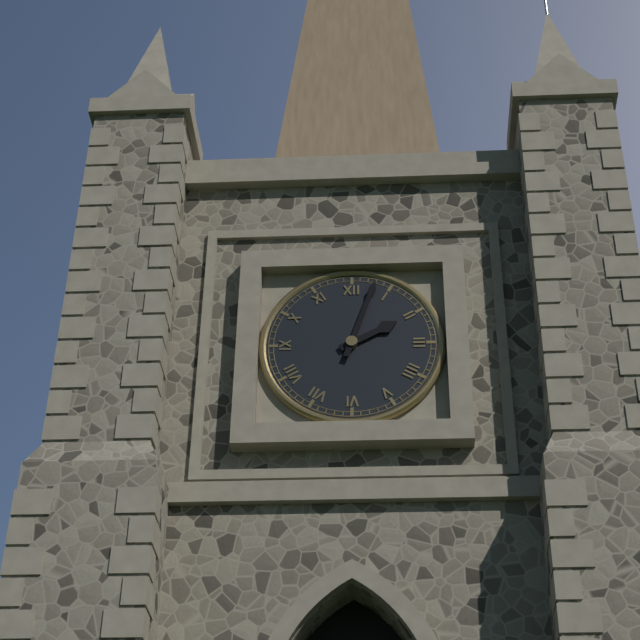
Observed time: 2h03
